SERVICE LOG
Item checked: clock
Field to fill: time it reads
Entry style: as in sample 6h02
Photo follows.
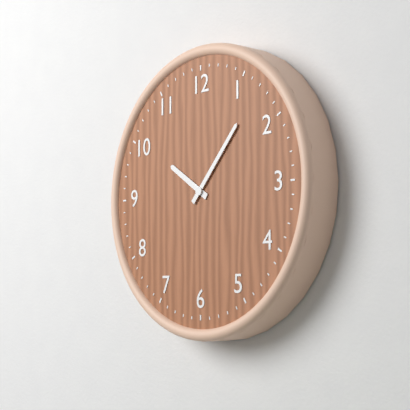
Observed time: 10h07
